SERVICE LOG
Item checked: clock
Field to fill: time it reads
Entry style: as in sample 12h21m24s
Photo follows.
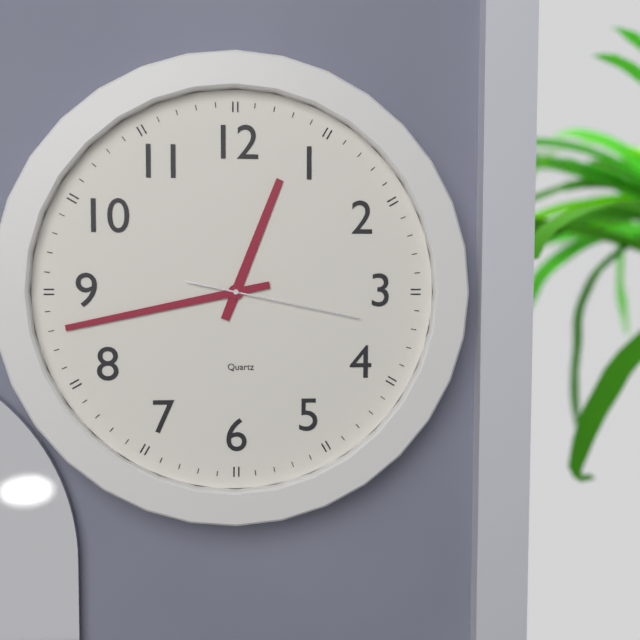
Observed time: 12h43m17s
